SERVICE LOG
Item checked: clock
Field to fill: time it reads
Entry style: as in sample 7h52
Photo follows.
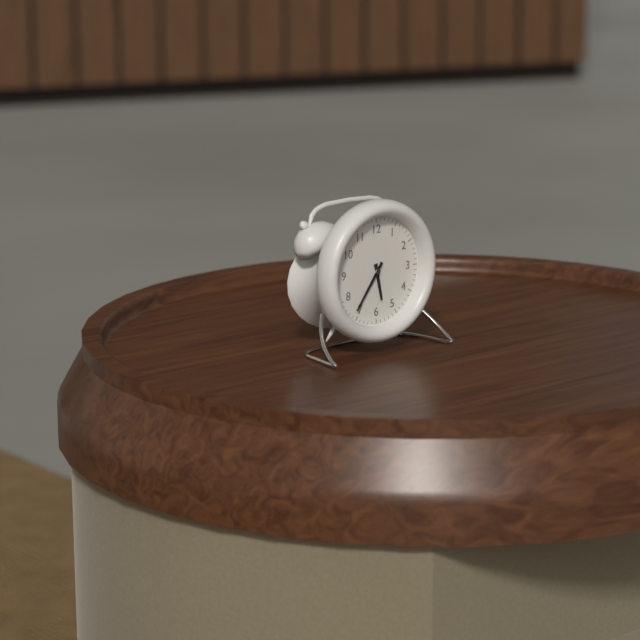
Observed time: 5h36
